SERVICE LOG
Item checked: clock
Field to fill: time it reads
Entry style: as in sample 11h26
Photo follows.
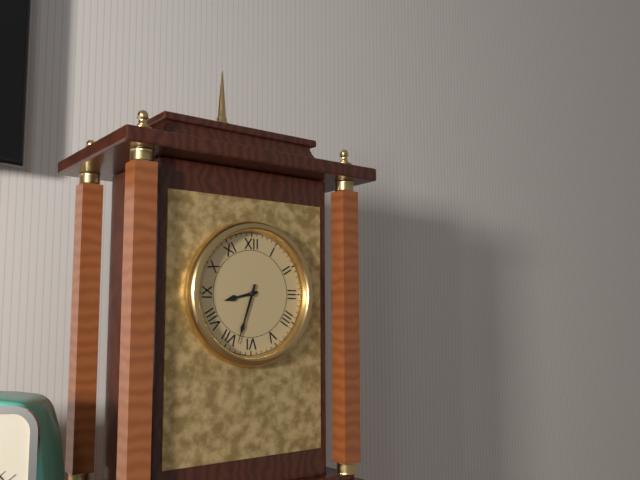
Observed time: 8h33
